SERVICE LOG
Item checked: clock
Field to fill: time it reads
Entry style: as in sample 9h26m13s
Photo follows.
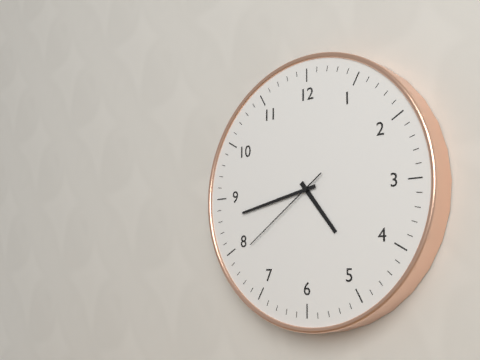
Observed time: 4h43m39s
